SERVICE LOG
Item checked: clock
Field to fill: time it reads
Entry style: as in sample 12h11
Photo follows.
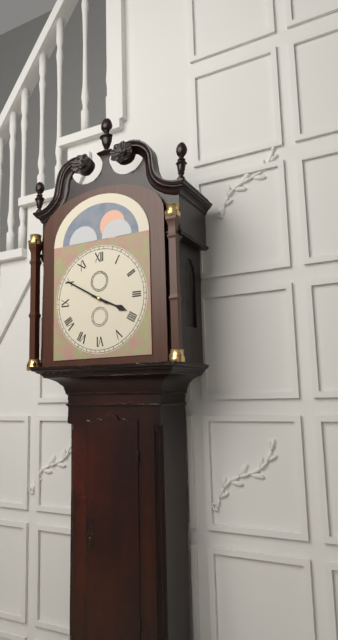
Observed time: 3h50
